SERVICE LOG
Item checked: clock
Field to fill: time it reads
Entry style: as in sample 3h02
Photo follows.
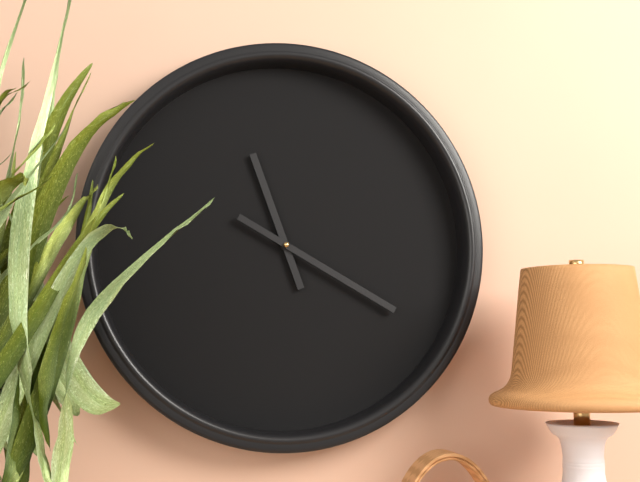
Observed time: 11h20
